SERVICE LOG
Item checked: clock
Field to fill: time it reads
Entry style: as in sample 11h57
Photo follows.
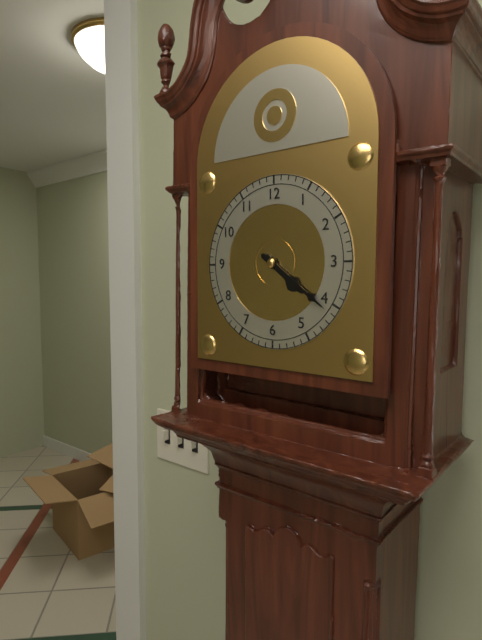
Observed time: 4h21
